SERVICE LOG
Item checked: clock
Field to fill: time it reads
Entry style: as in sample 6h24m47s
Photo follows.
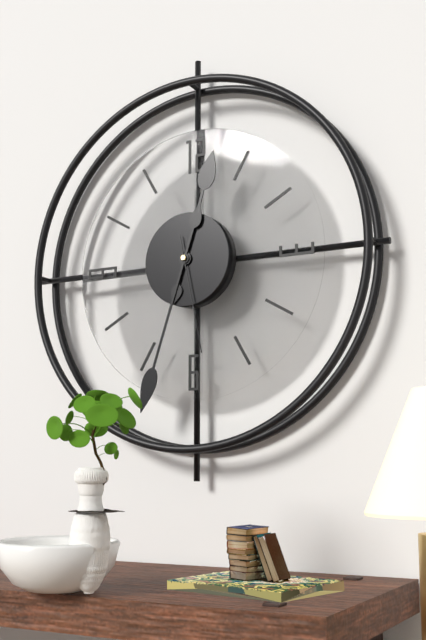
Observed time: 12h33m28s
